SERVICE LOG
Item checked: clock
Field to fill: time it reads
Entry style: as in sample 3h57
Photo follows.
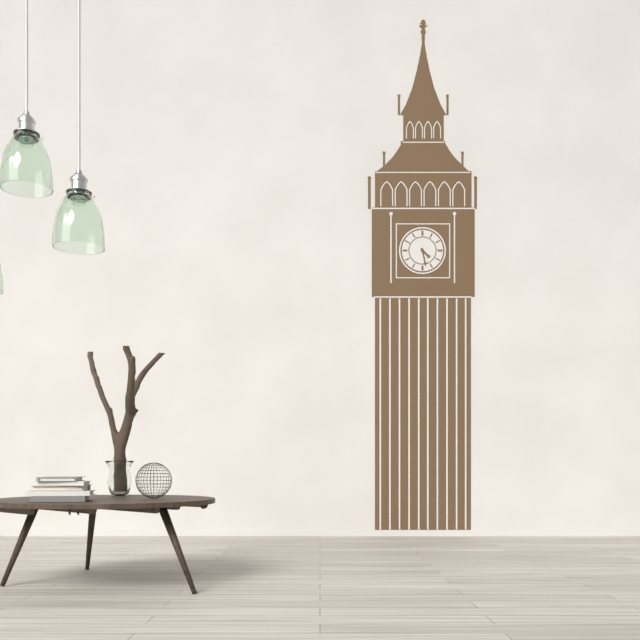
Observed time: 4h28
